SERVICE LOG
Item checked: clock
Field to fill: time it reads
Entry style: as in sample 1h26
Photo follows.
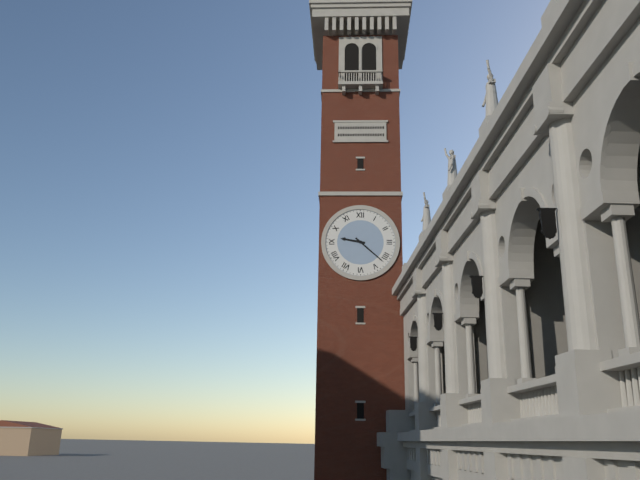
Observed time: 9h22
